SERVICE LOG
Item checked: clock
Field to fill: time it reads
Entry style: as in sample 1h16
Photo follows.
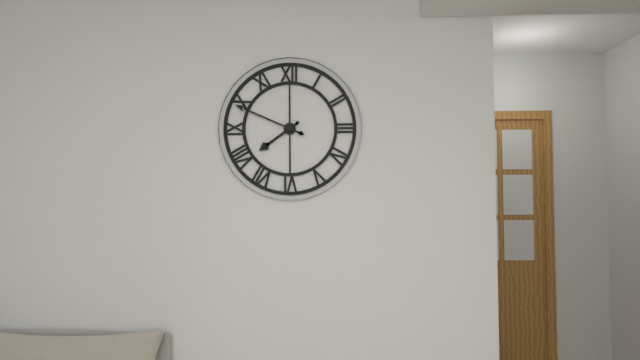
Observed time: 7h49
